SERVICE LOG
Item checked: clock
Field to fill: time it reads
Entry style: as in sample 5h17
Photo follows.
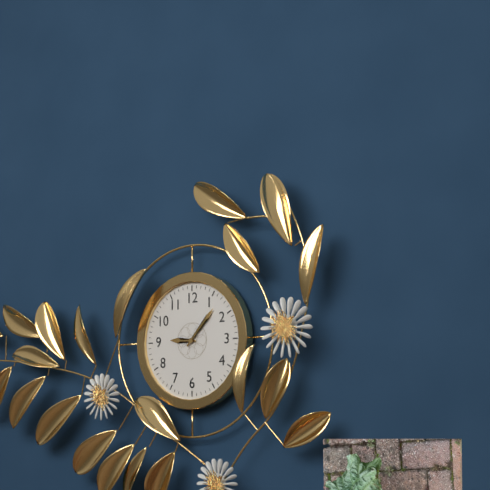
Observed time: 9h07
